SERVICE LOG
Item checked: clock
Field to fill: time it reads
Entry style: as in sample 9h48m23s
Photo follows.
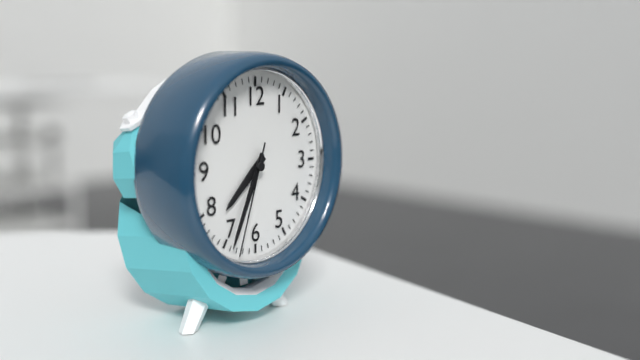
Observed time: 7h34m33s
